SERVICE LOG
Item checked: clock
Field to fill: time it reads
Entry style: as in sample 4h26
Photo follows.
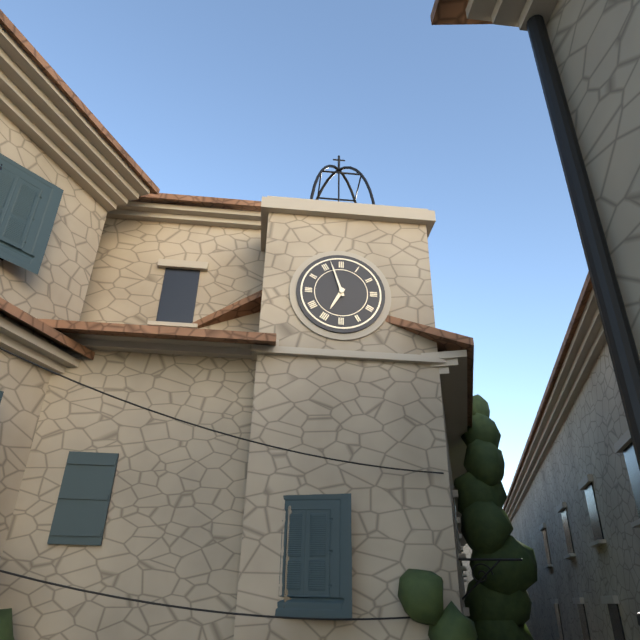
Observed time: 6h57
